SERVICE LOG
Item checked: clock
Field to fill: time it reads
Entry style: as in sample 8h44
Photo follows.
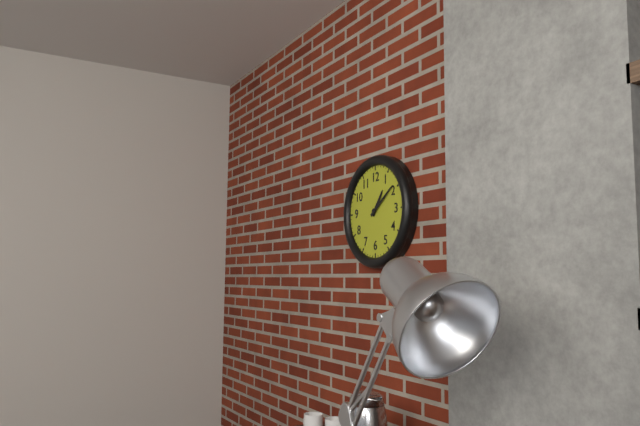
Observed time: 1h09
